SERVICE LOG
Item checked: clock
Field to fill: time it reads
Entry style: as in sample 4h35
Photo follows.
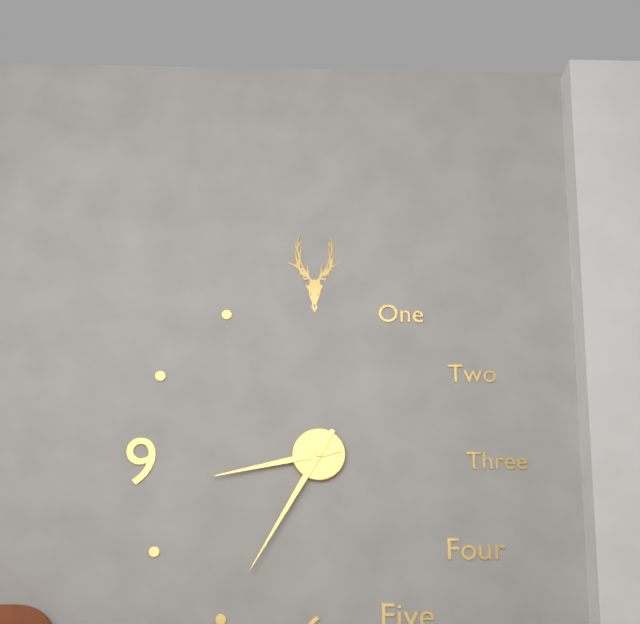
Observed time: 8h35
